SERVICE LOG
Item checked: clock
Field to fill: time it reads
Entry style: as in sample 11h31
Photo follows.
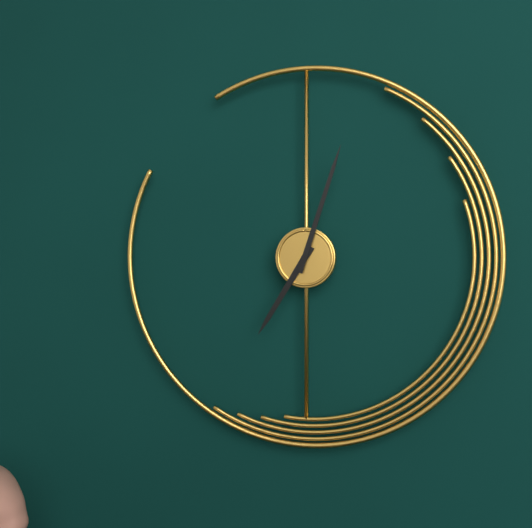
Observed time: 7h03
